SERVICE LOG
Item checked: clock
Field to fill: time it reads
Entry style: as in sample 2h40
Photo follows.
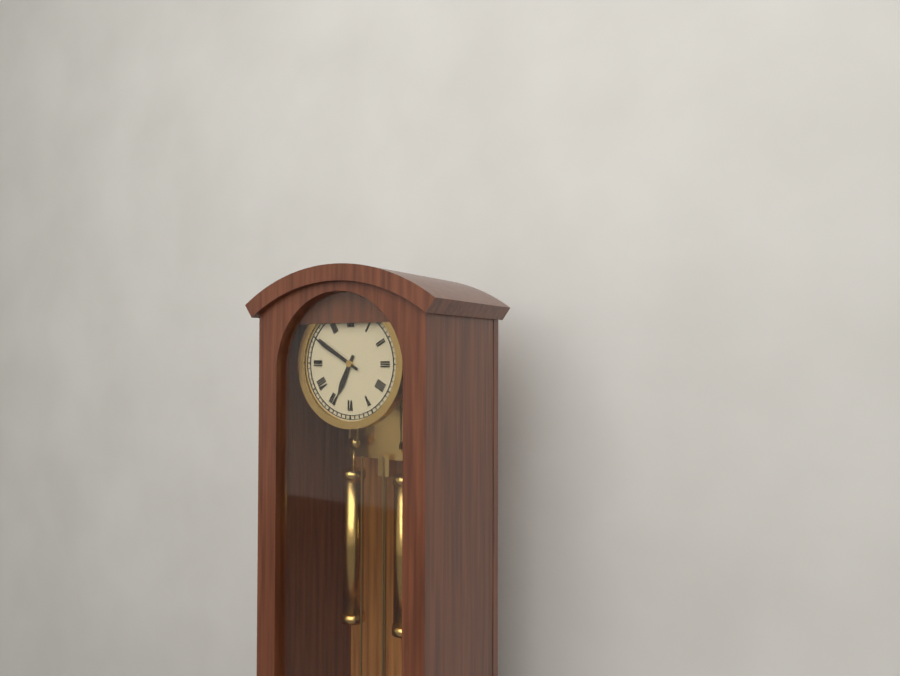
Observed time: 6h50
